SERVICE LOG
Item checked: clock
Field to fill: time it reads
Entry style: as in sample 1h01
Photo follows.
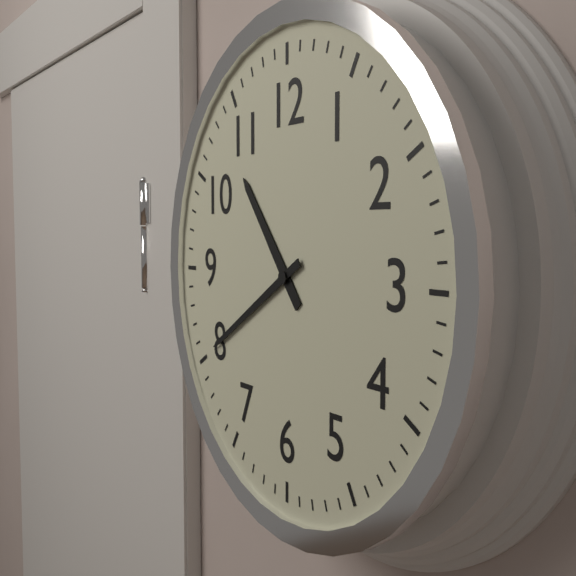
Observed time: 10h40
